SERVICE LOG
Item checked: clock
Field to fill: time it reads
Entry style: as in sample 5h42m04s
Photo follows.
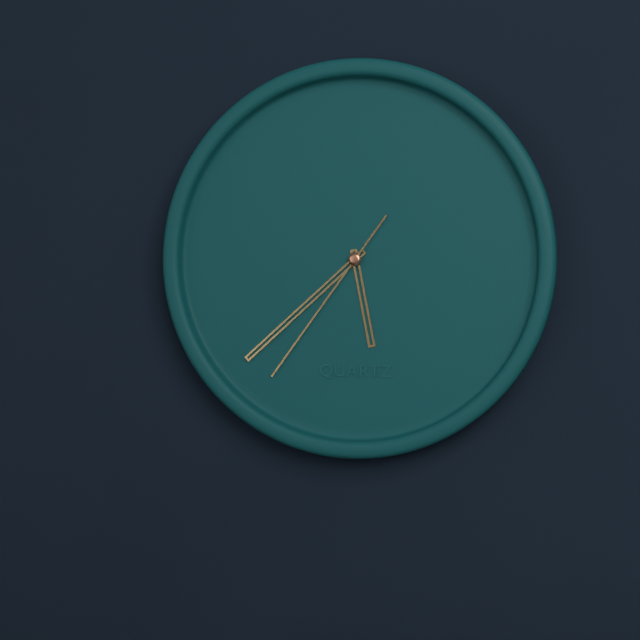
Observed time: 5h38m36s
